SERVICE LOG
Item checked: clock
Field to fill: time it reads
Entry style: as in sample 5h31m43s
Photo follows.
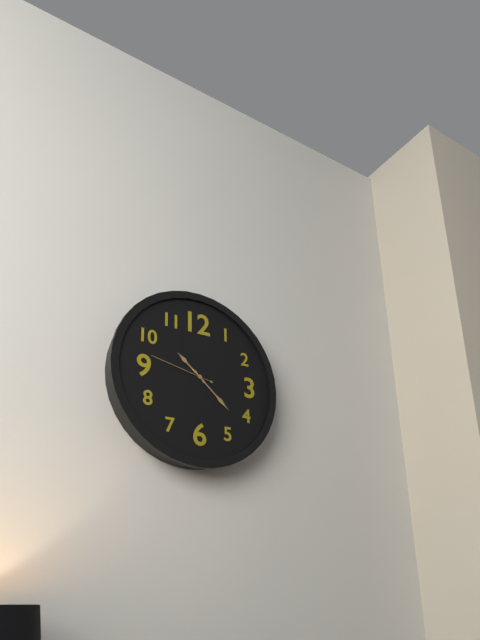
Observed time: 10h22m47s
